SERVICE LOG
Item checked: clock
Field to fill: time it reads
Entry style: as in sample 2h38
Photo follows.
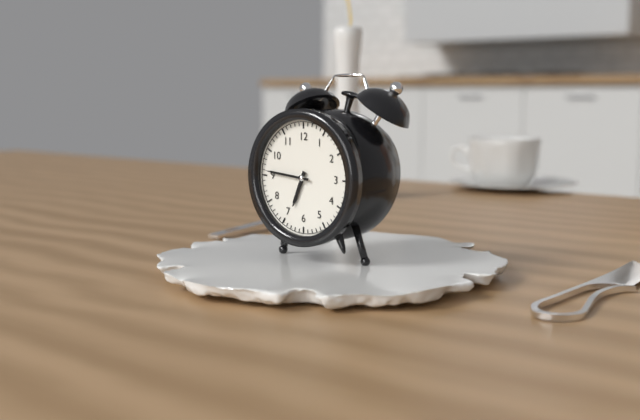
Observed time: 6h46
